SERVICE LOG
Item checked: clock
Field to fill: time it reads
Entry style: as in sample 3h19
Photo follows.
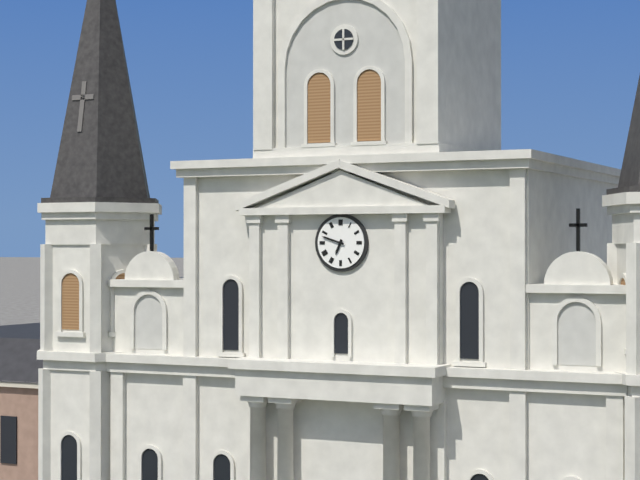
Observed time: 6h48
